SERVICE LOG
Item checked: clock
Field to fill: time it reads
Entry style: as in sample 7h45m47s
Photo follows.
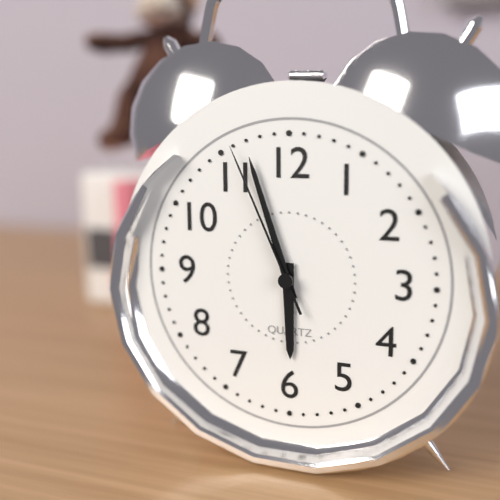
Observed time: 5h57m56s
